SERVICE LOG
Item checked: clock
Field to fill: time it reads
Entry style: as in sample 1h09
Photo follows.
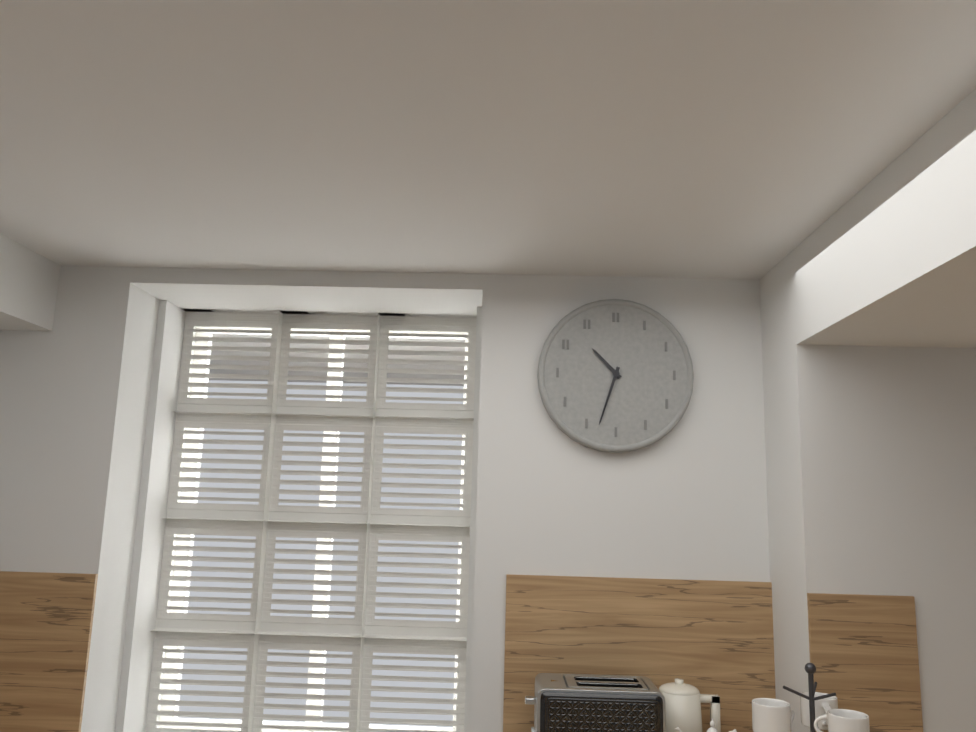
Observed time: 10h33
